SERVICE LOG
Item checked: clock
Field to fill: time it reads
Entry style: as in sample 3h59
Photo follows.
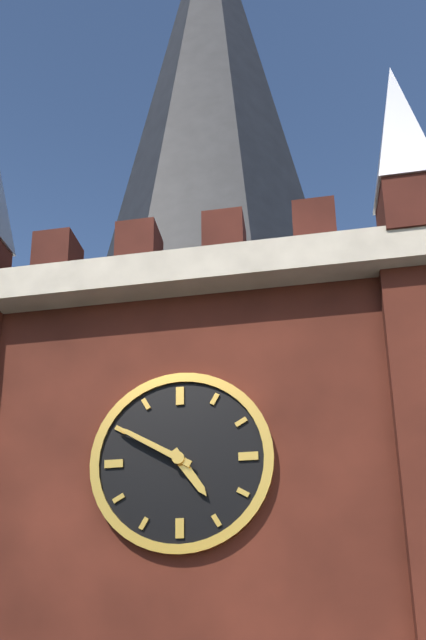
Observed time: 4h50
